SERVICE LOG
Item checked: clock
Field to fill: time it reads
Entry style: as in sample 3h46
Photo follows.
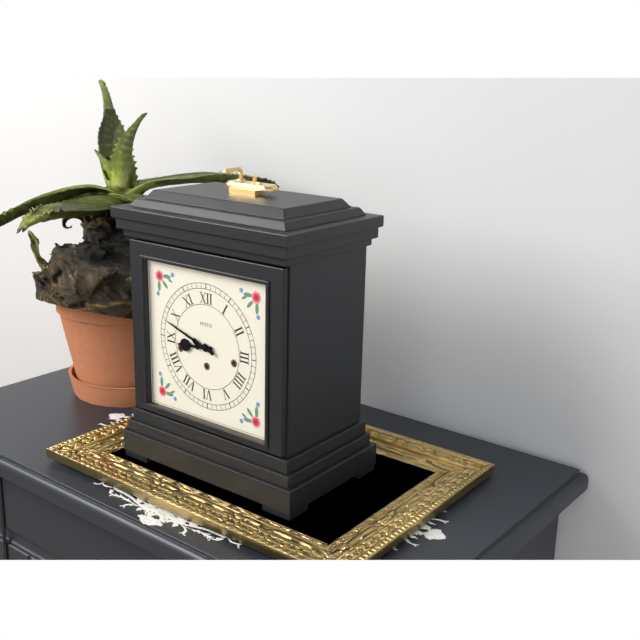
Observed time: 8h48
